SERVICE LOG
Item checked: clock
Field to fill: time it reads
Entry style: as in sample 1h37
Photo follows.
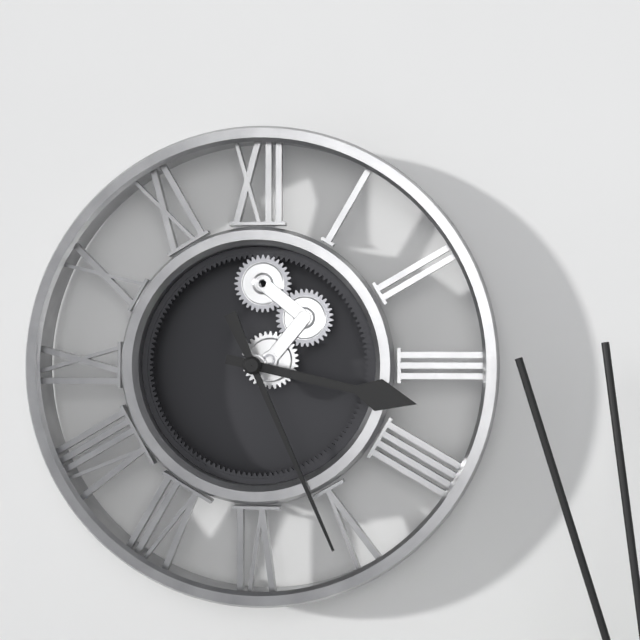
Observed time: 3h26
